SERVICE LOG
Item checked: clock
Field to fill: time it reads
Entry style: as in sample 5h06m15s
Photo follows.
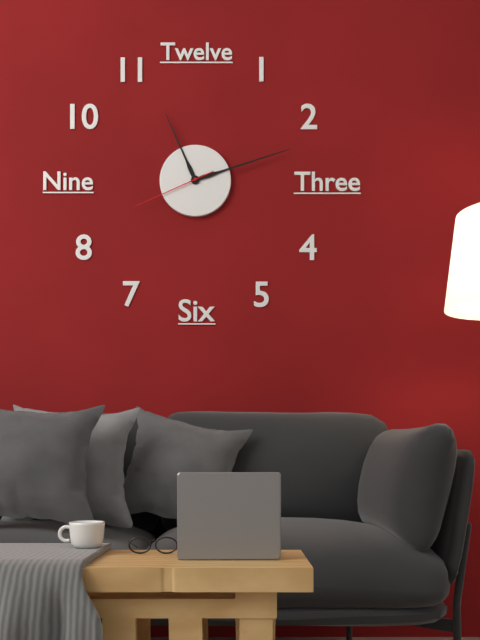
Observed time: 11h12m41s
